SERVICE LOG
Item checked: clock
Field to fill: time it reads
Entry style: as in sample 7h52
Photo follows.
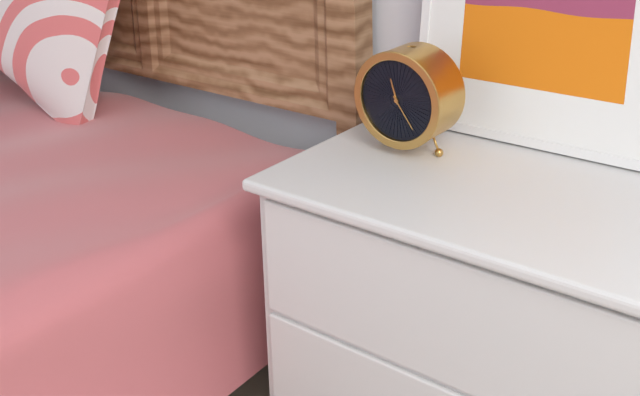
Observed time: 11h24
